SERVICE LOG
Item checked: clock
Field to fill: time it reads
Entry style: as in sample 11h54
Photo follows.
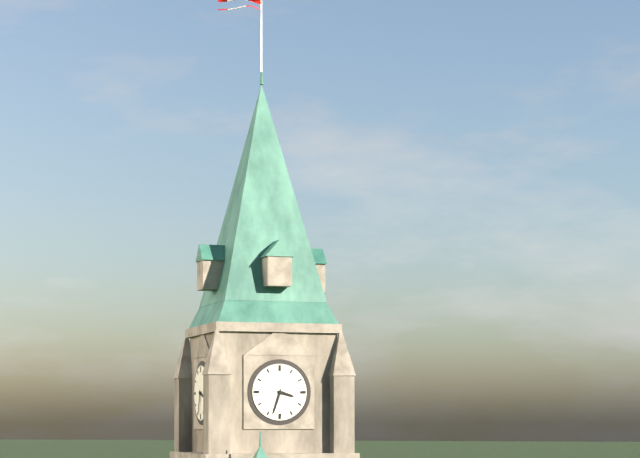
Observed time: 3h33
